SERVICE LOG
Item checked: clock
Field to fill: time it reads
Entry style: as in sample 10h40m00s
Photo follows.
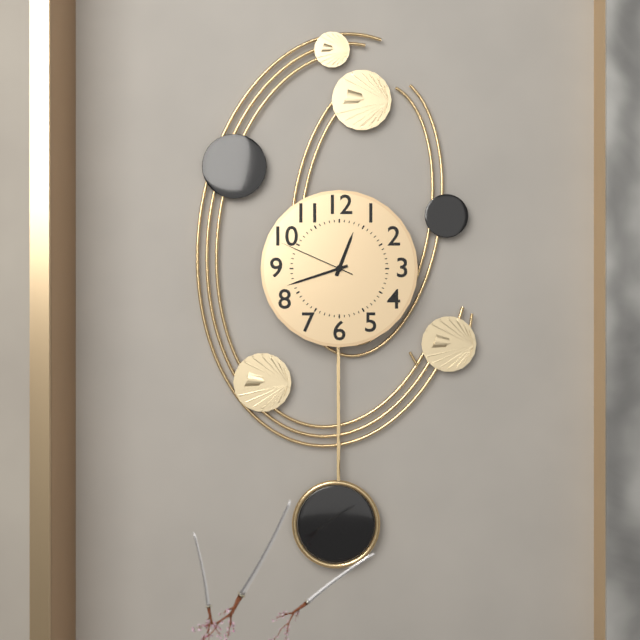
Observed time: 12h42m49s
